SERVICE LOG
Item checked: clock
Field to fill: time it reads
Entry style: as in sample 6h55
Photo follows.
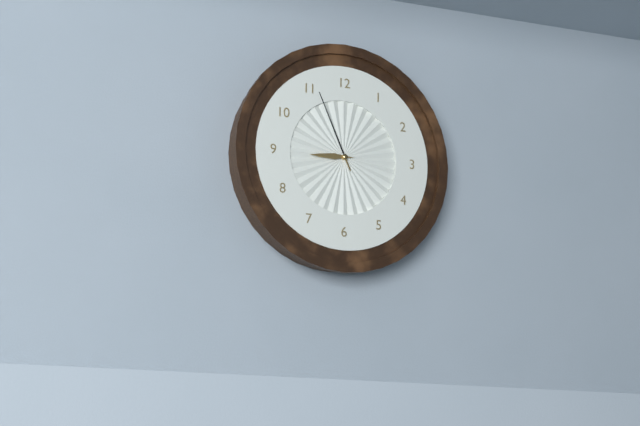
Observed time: 8h56
